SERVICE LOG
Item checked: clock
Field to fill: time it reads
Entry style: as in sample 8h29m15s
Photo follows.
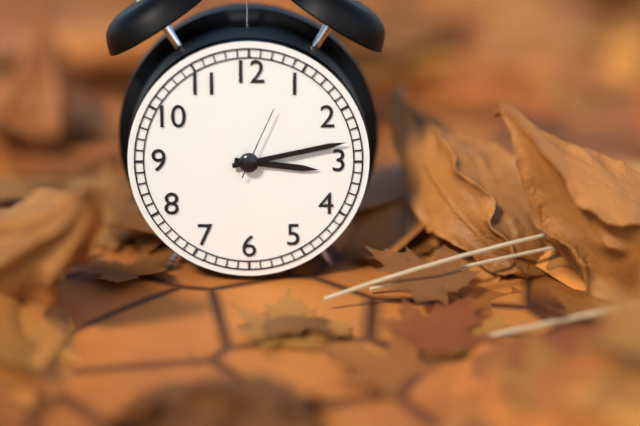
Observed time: 3h13m04s
